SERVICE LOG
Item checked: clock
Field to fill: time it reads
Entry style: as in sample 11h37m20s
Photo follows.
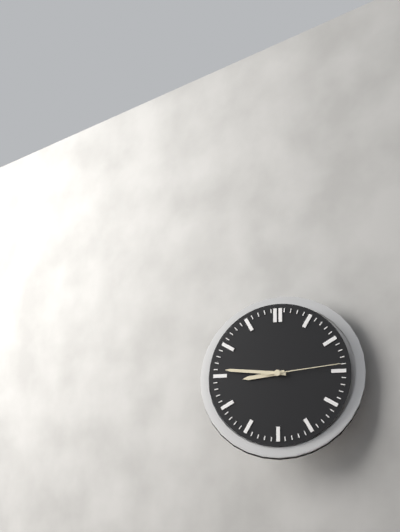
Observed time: 8h46m14s
